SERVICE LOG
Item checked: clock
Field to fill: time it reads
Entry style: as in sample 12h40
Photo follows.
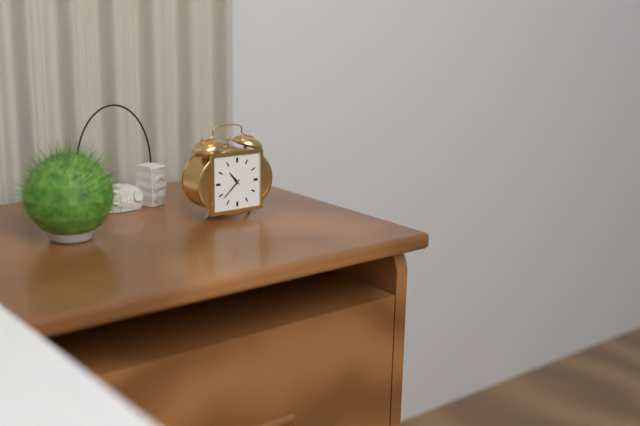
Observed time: 10h38
